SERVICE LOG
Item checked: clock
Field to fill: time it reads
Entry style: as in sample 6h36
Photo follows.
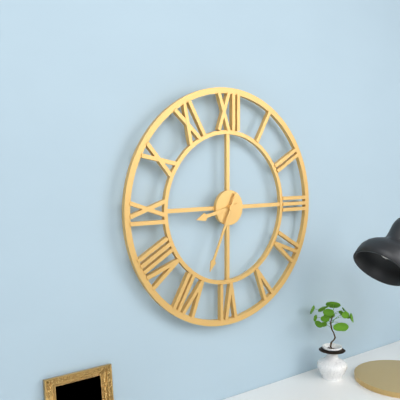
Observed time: 8h34
